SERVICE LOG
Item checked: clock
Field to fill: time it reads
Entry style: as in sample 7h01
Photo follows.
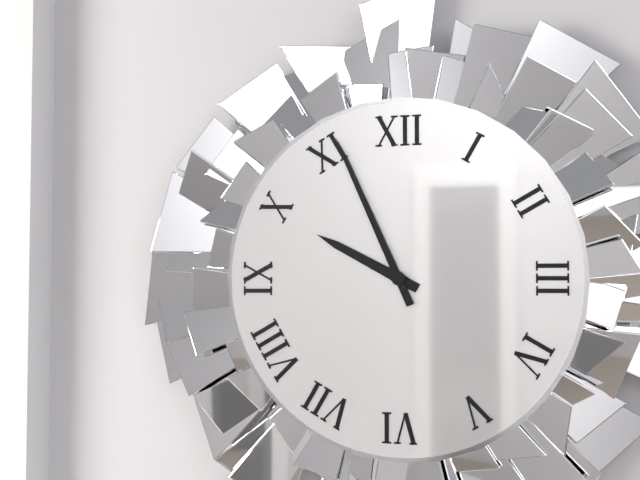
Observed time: 9h56
